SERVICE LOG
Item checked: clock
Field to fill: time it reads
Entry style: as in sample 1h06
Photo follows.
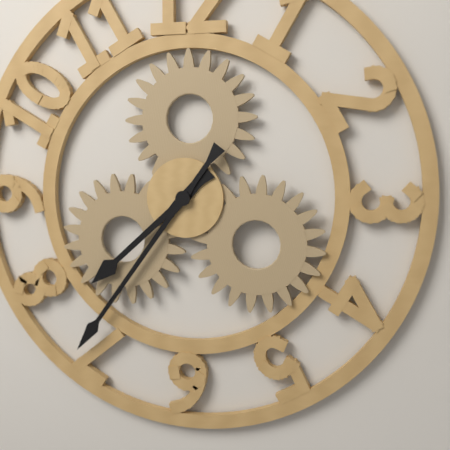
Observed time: 7h36
